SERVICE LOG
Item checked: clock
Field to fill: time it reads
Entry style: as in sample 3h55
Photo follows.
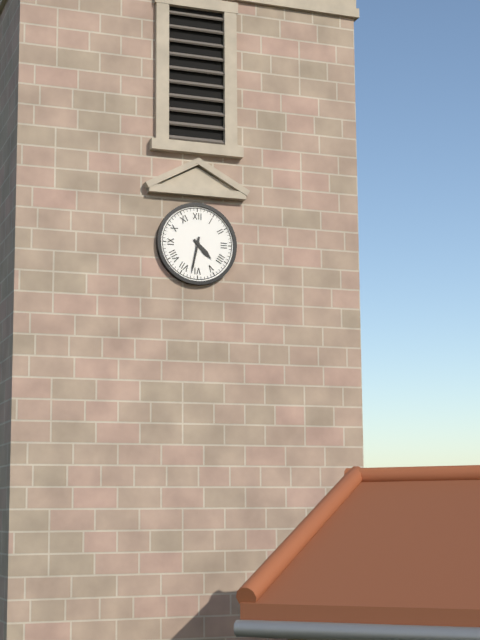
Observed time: 4h32
